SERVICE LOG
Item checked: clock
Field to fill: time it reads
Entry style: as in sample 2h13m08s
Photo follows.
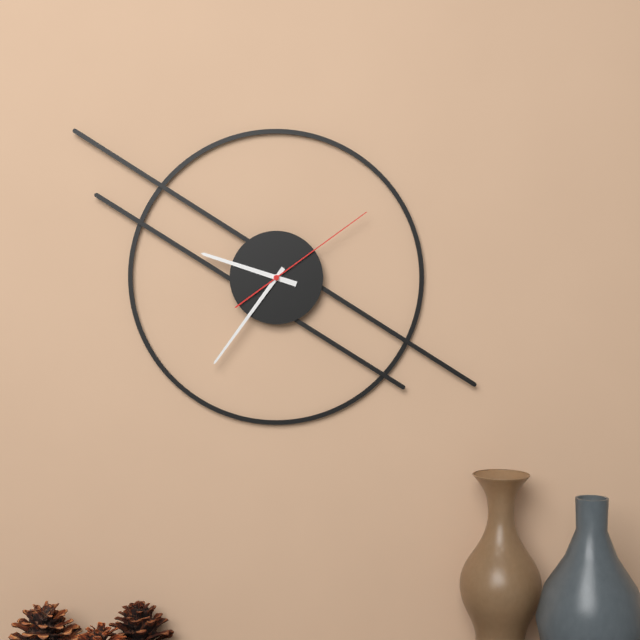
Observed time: 9h36m09s
